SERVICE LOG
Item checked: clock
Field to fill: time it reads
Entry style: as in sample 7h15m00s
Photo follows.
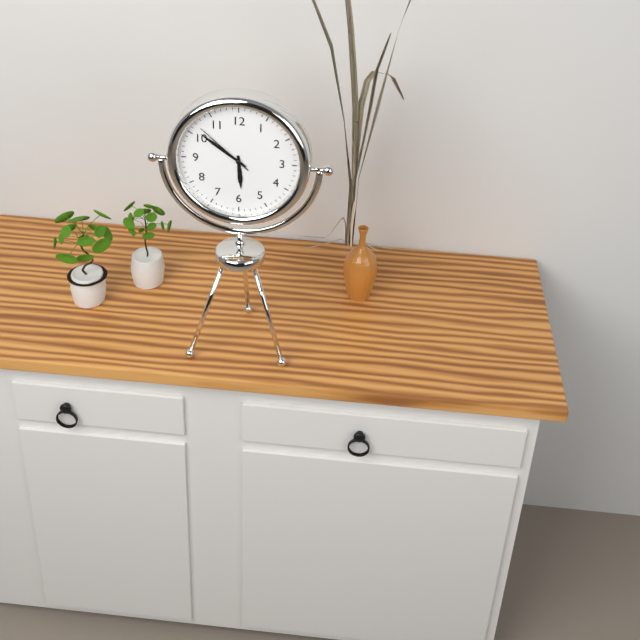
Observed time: 5h51m52s
